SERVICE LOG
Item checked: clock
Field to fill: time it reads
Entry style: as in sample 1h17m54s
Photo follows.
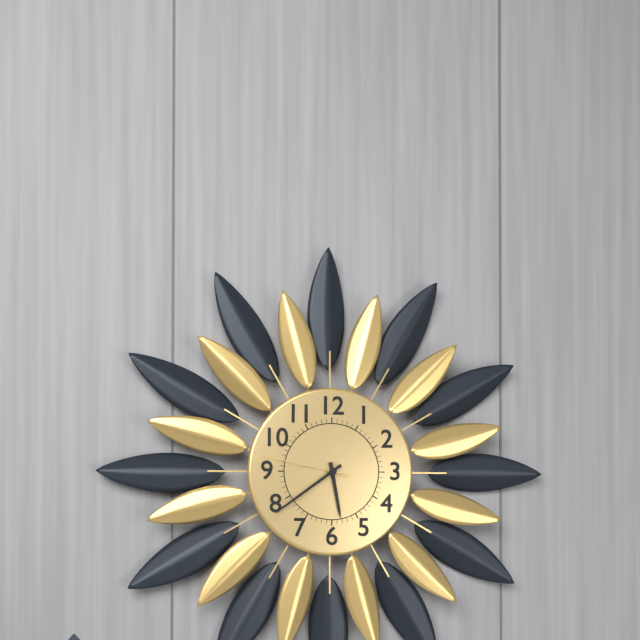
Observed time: 5h39m47s
